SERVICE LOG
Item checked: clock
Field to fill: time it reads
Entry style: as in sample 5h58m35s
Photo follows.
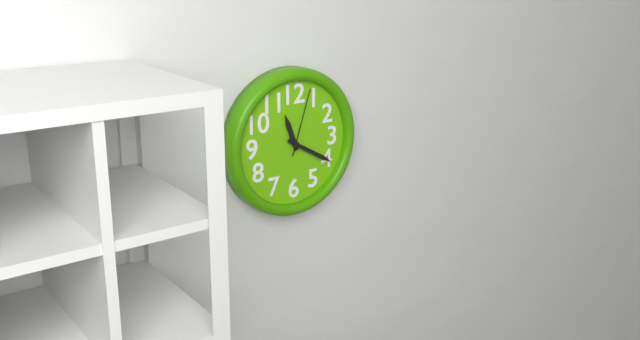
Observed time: 11h20m03s
